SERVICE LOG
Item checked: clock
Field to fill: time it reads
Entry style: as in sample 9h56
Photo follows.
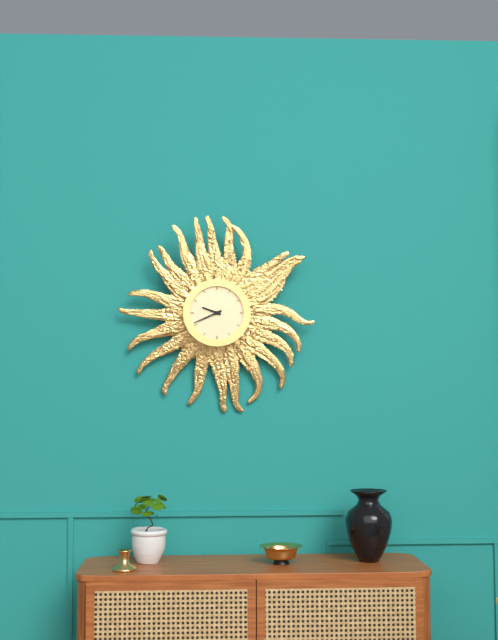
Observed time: 9h41
